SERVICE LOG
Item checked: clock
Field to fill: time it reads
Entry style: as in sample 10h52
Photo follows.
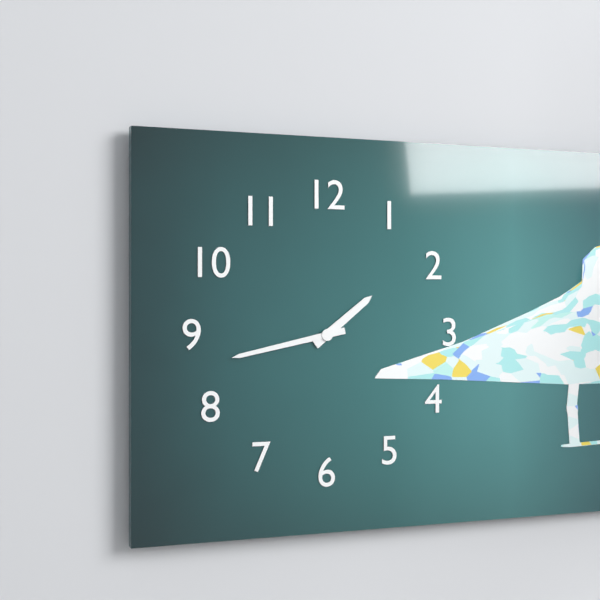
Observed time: 1h43
